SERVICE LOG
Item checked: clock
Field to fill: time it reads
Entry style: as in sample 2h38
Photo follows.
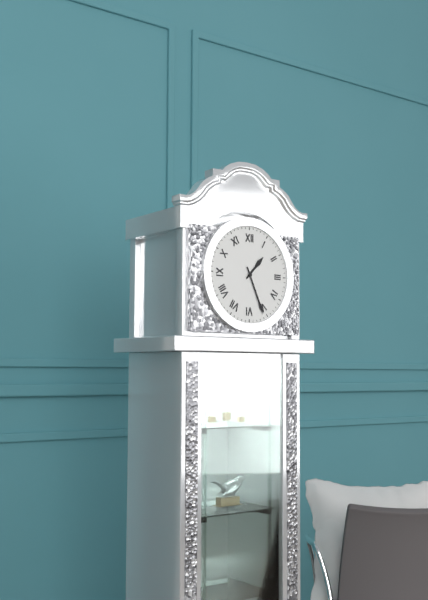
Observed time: 1h26
